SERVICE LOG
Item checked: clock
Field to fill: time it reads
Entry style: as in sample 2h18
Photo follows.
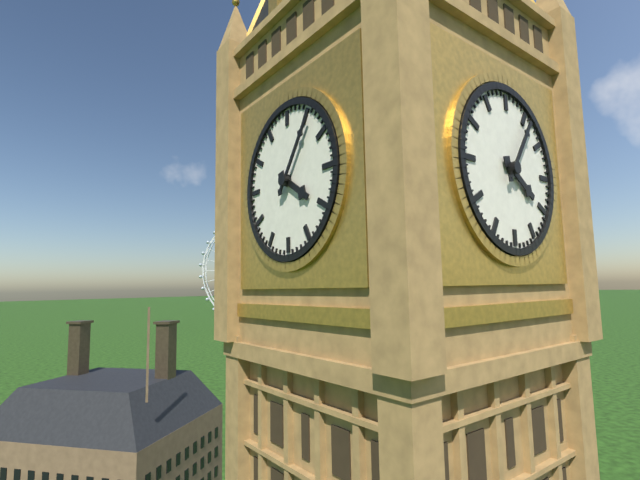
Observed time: 4h06
